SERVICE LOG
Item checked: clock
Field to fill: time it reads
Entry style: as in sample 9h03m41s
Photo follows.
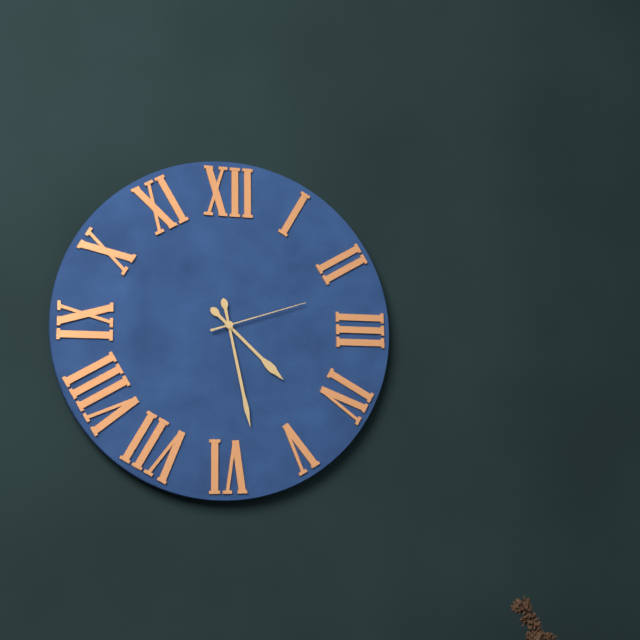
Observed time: 4h28m12s
